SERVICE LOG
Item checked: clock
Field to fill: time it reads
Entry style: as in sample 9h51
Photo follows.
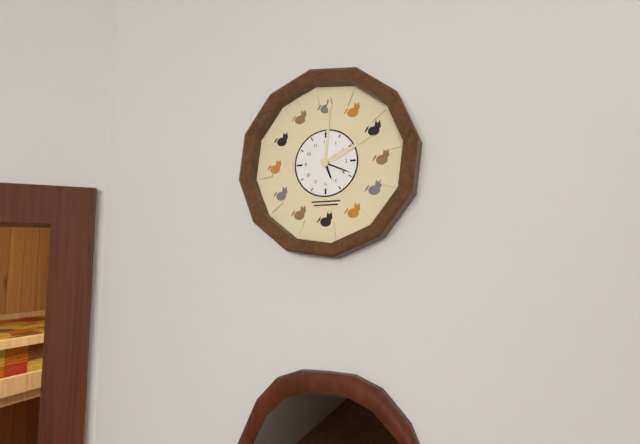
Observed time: 5h19
